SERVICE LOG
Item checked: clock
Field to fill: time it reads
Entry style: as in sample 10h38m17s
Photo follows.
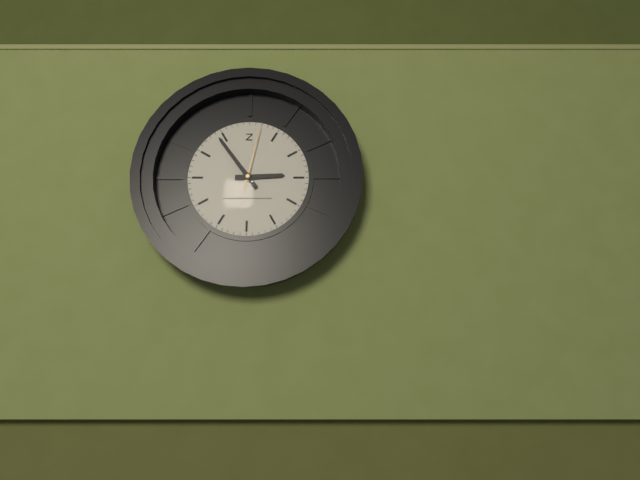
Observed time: 2h54m02s
